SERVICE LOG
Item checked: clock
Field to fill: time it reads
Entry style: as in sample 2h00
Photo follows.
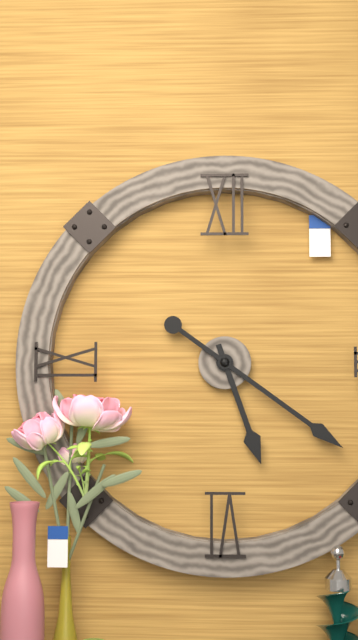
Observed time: 5h21
